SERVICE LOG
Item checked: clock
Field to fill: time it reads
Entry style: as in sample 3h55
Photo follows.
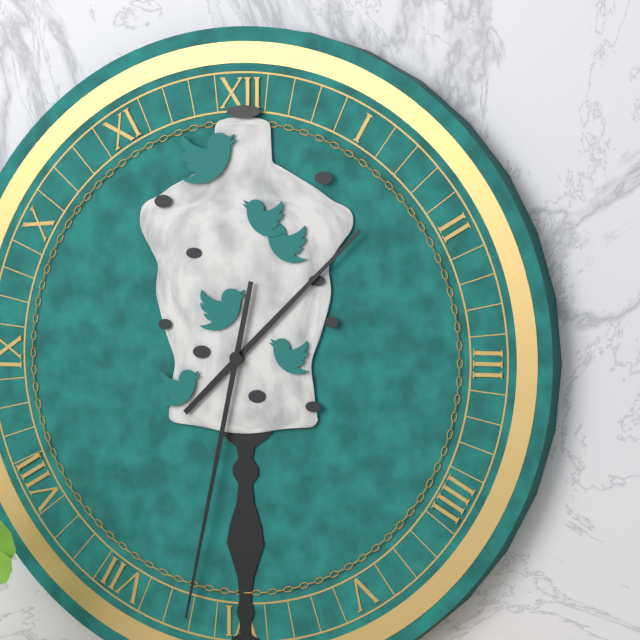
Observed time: 1h32
